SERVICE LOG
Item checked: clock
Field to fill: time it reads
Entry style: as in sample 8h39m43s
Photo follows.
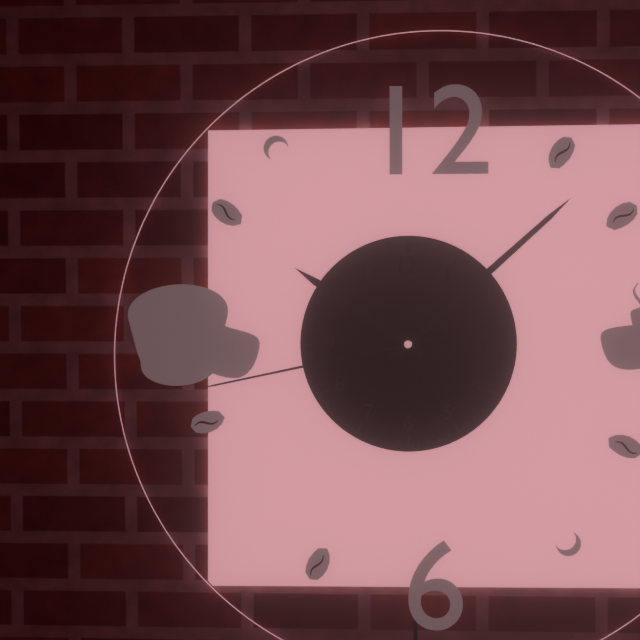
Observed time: 10h08m43s
